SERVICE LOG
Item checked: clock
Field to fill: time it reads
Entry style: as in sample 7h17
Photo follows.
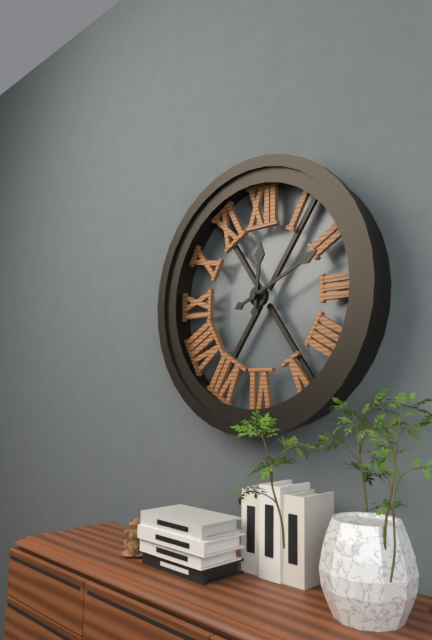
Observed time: 12h11
